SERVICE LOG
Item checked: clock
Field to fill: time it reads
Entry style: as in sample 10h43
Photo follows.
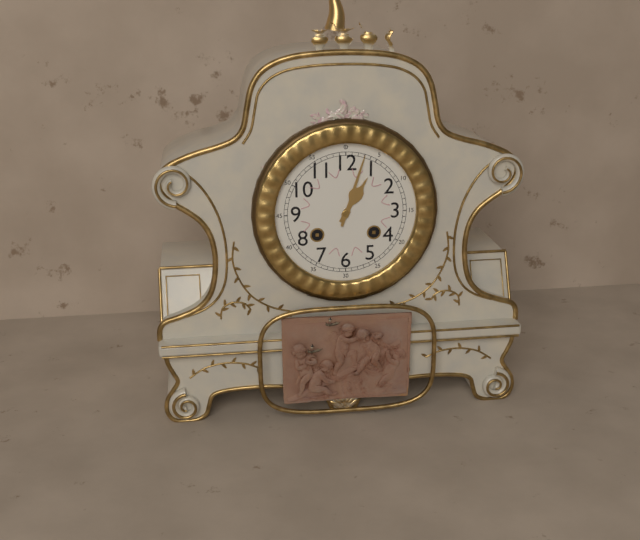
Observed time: 1h03
